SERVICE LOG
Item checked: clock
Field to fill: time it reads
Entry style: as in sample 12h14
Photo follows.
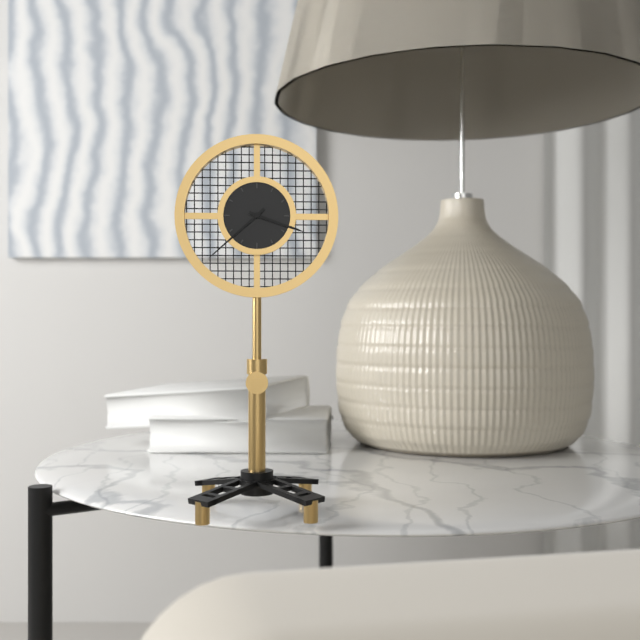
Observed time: 3h38
